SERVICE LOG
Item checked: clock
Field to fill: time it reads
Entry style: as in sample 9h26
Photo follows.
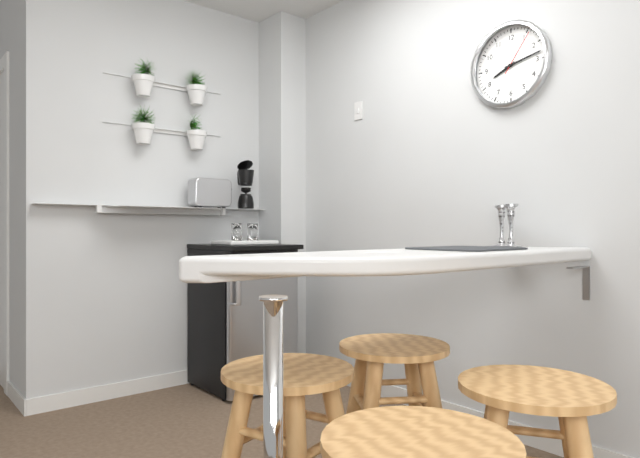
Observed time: 8h13
